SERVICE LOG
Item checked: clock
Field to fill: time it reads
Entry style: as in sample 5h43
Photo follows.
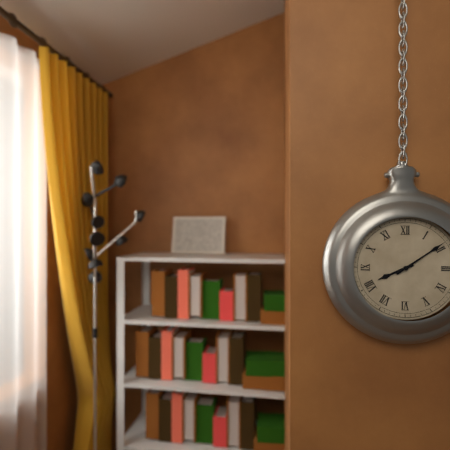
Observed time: 8h09
